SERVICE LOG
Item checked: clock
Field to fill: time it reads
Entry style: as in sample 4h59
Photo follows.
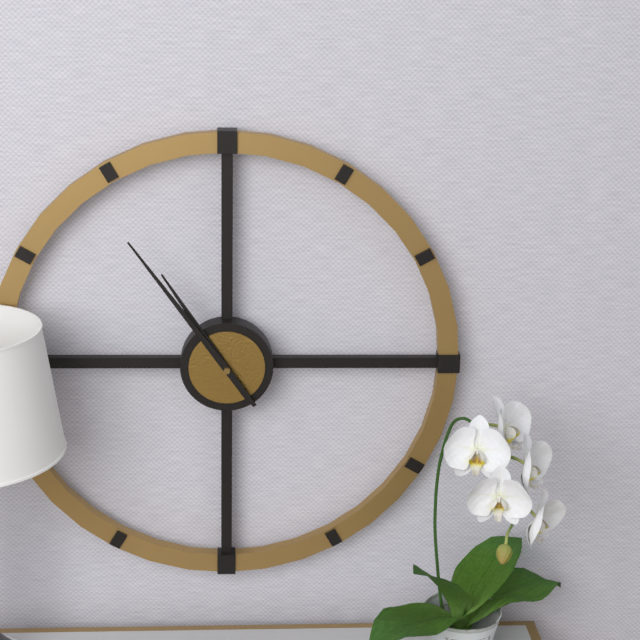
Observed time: 10h54
